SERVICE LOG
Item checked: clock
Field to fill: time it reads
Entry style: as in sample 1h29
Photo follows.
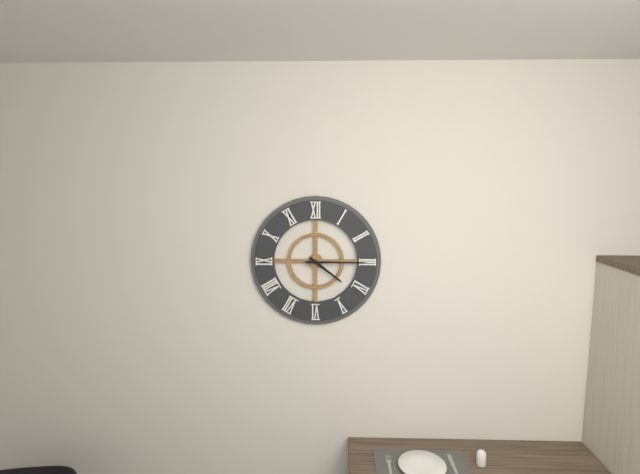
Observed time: 4h15
